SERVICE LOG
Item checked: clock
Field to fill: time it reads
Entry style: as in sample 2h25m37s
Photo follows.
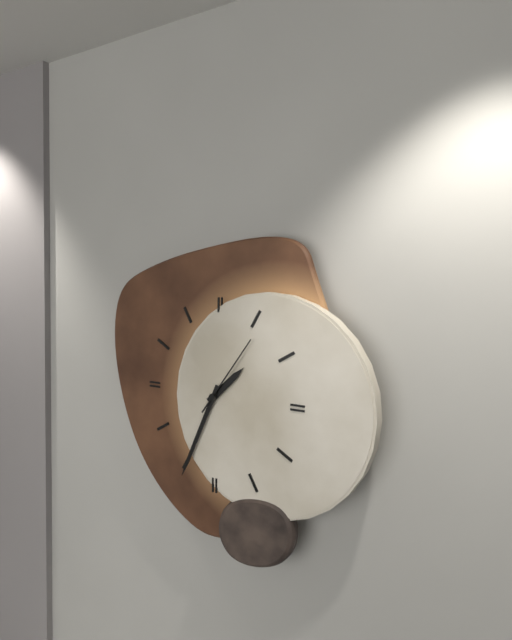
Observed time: 1h34m06s
